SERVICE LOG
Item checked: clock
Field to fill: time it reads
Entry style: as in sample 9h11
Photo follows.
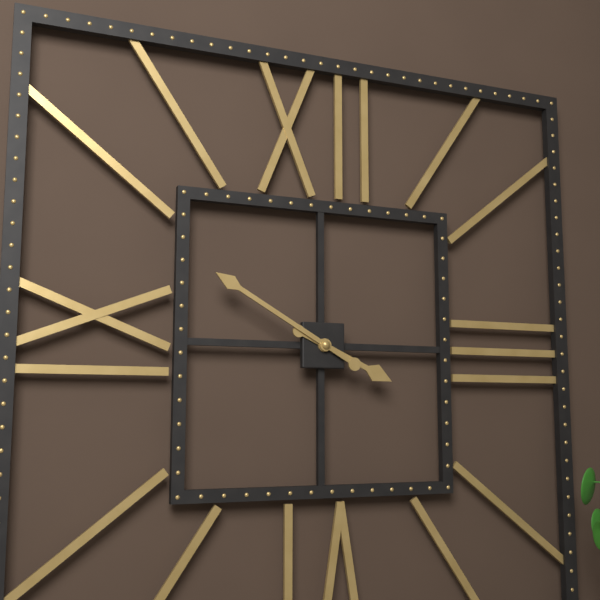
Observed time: 3h50
